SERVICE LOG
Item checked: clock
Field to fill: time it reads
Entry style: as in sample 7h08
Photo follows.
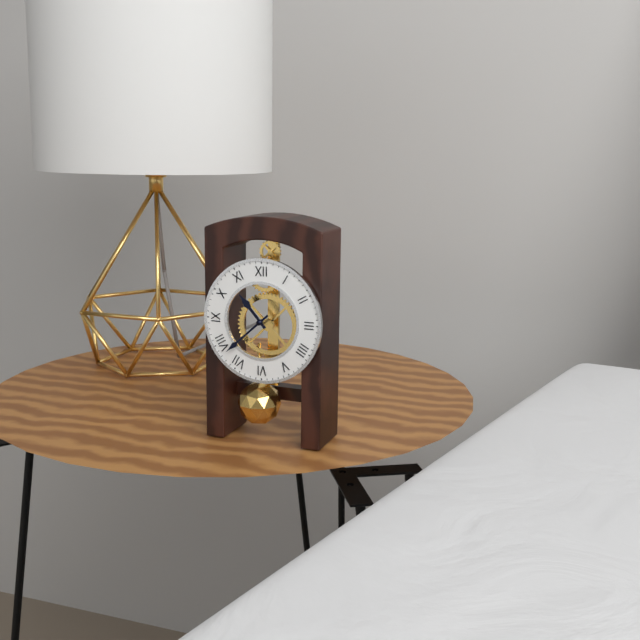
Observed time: 10h38
